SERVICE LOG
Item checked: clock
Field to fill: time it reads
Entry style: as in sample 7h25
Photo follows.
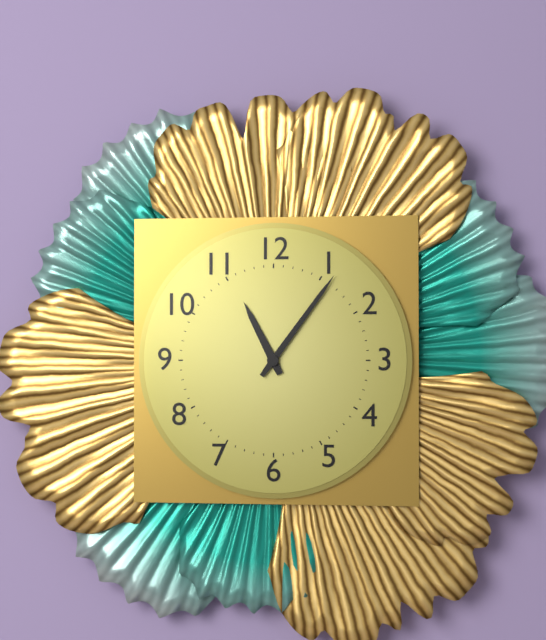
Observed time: 11h06
